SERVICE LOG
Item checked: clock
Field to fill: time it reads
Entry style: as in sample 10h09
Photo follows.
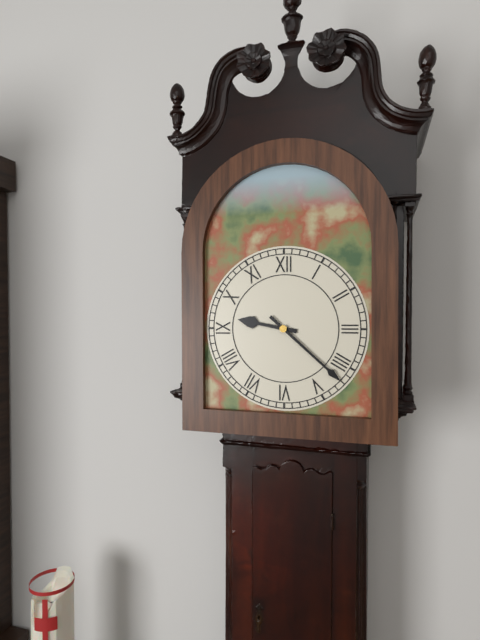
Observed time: 9h22
